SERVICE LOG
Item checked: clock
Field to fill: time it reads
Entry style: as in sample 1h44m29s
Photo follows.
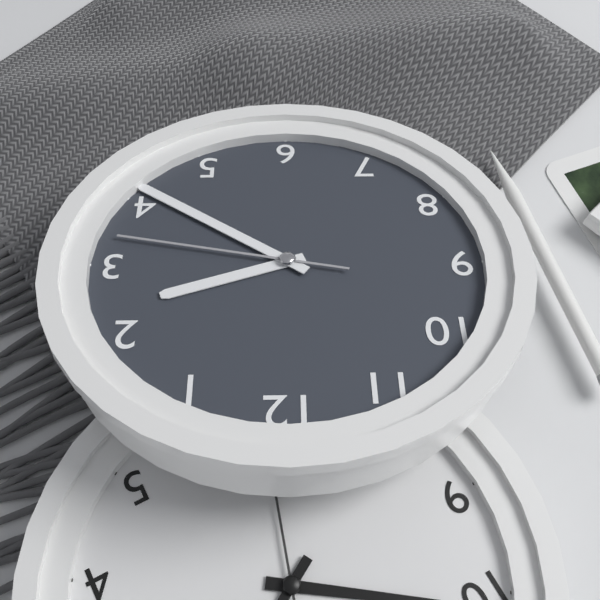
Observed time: 2h21m17s
